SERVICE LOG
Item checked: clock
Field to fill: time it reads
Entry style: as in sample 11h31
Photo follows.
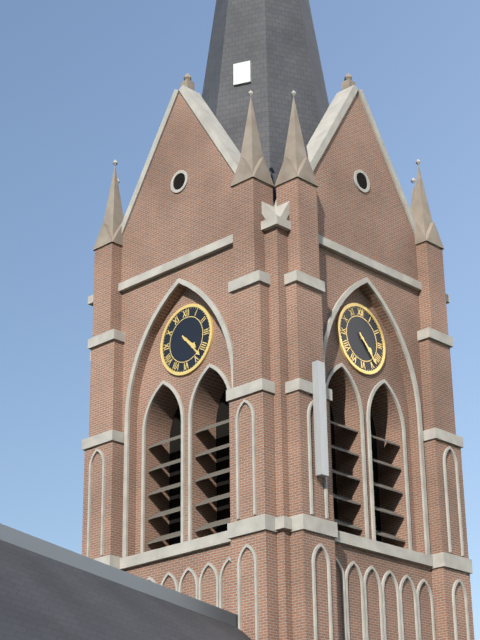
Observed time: 4h23
